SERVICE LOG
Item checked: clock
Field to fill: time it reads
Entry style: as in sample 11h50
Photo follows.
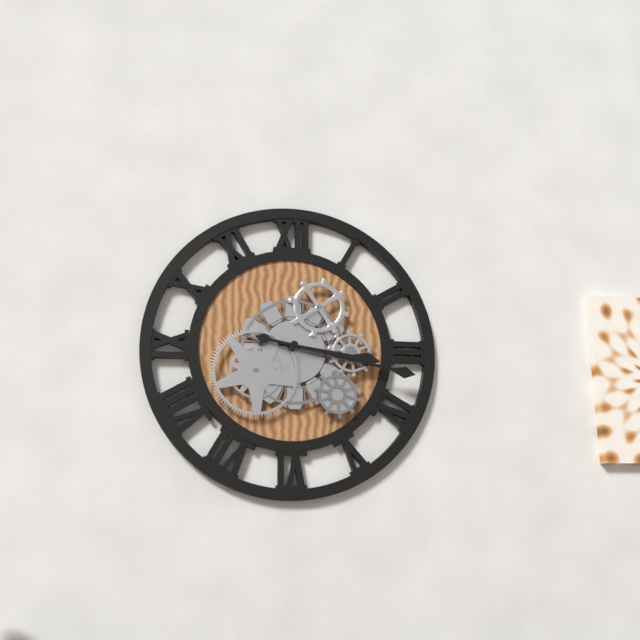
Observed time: 3h17
